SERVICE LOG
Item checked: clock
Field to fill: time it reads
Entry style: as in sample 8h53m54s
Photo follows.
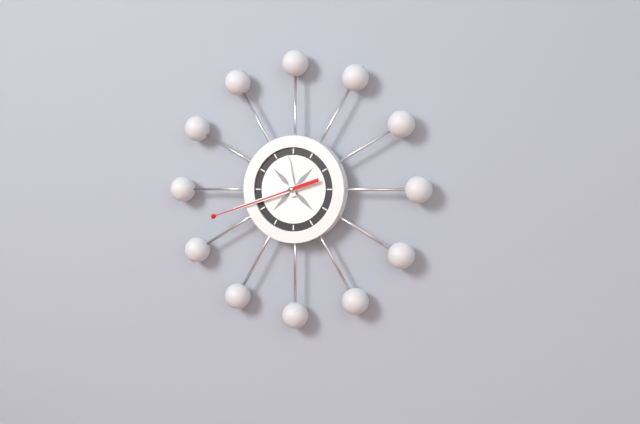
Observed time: 11h42m42s
